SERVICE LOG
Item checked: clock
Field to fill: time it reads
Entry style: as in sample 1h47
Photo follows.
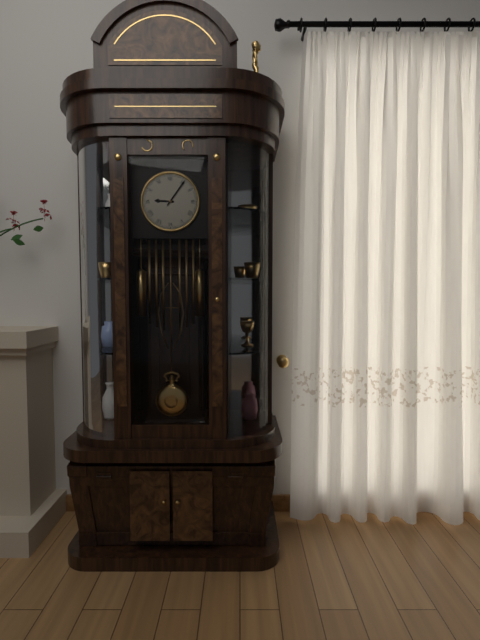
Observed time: 9h06
